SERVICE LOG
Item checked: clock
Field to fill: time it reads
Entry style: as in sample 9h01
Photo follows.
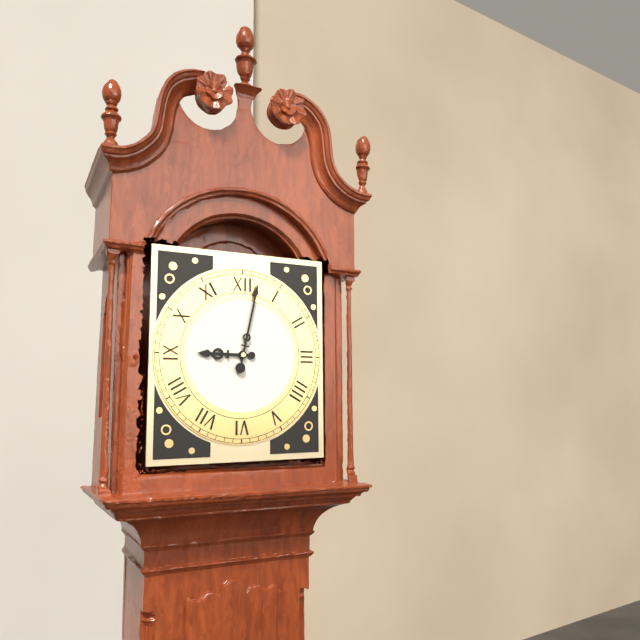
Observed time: 9h02
